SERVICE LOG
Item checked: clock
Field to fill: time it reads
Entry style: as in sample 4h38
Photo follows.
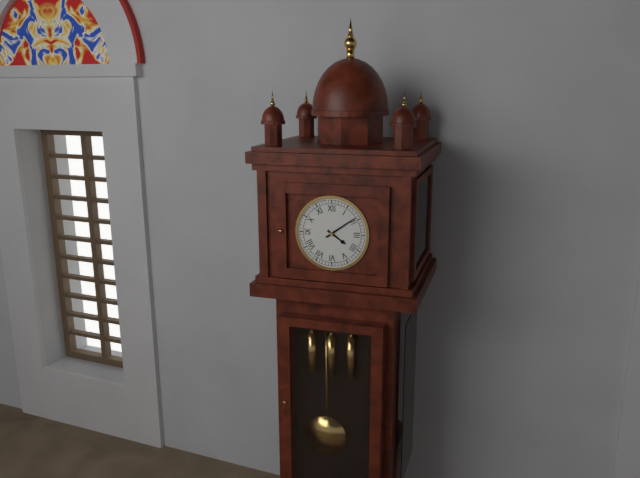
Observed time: 4h09
